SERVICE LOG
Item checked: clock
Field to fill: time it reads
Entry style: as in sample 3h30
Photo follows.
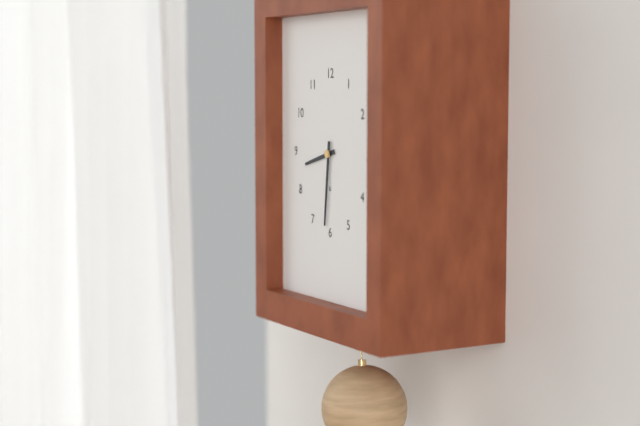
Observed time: 8h31
